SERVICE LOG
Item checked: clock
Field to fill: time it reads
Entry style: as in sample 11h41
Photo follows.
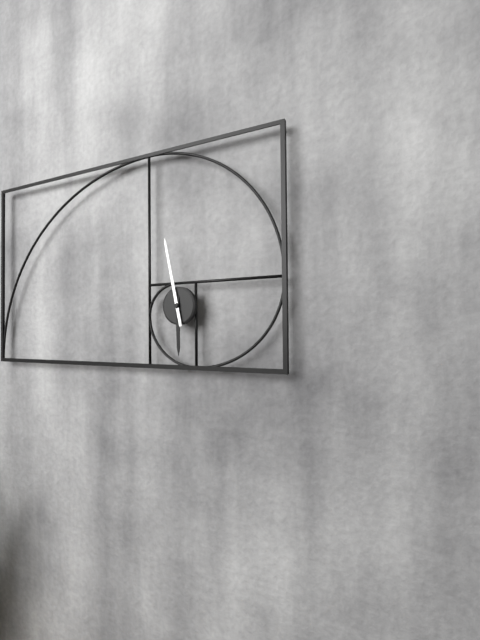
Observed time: 5h58
